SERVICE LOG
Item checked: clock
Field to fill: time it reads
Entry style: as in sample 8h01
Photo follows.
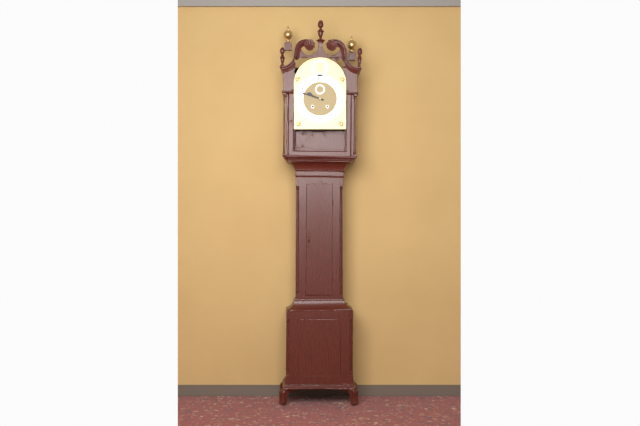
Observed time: 9h48
